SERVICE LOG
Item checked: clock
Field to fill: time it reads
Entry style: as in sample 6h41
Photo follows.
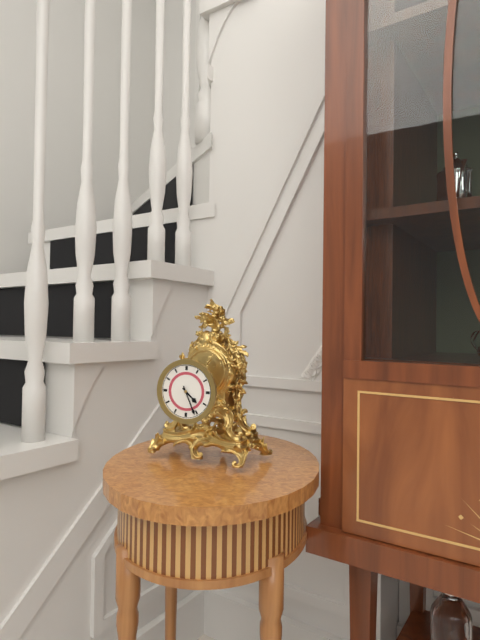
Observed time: 4h26
